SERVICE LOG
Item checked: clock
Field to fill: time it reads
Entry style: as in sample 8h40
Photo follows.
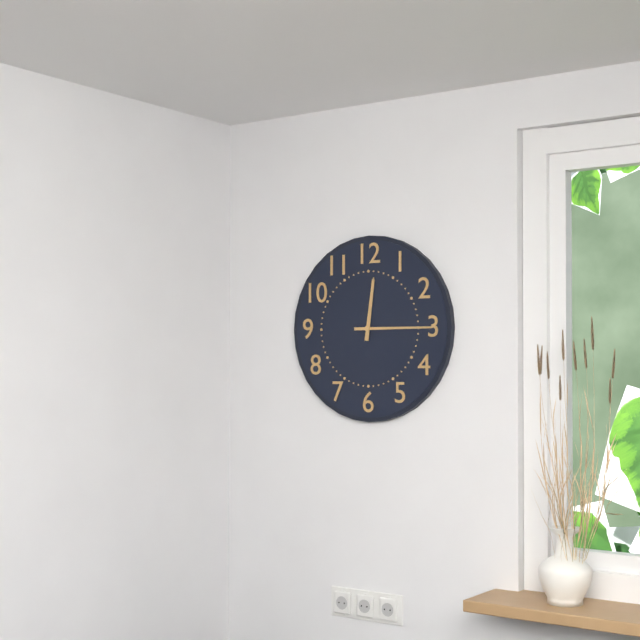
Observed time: 12h15
